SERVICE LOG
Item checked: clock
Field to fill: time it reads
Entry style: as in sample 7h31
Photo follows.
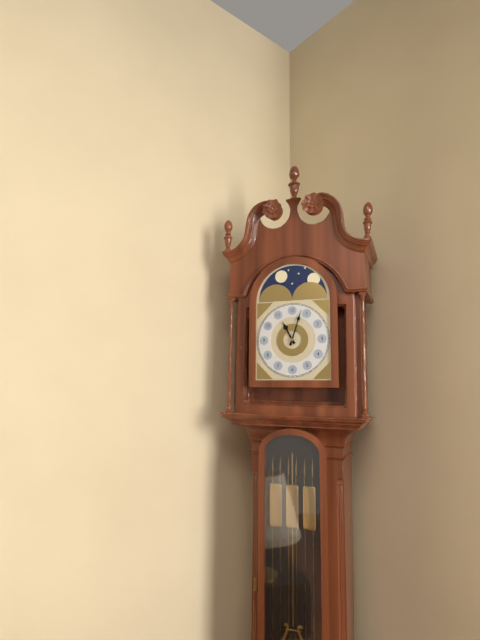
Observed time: 11h03
